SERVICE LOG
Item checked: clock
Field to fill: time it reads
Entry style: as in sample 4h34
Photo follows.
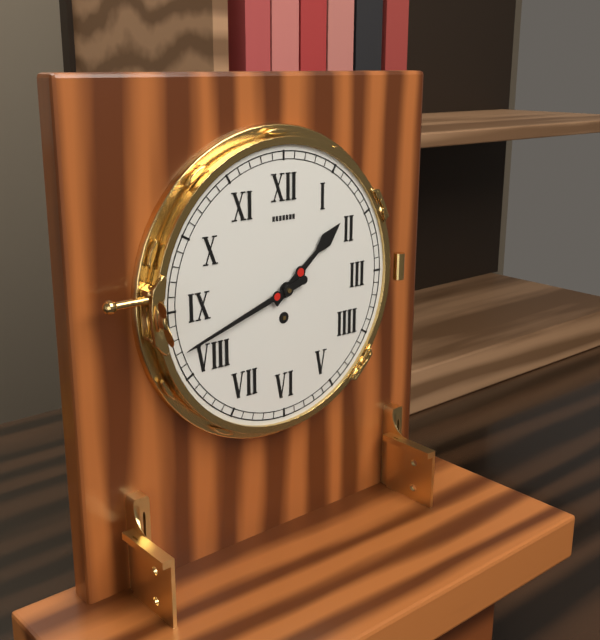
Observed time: 1h42
